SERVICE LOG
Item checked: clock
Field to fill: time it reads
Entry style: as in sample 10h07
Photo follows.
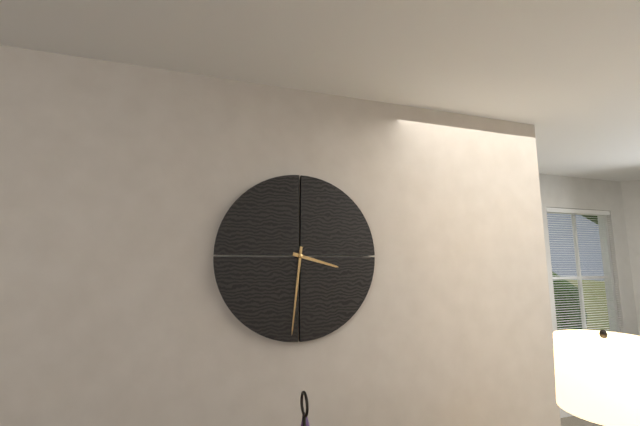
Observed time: 3h31
